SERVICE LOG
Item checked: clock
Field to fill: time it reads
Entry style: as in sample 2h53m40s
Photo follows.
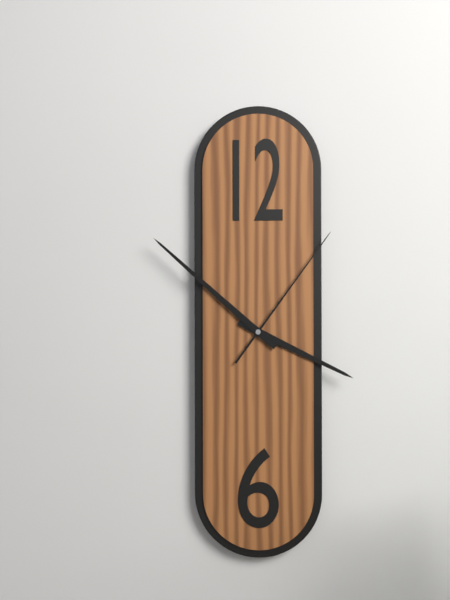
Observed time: 3h52m06s
